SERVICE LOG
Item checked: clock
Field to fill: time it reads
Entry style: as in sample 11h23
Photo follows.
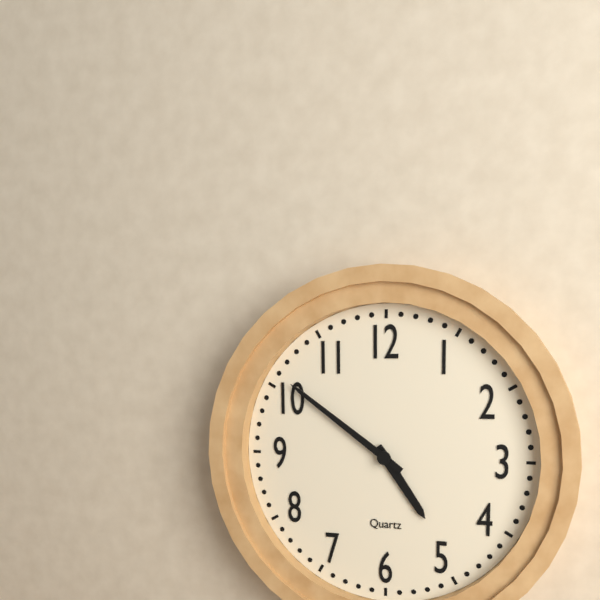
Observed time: 4h51
